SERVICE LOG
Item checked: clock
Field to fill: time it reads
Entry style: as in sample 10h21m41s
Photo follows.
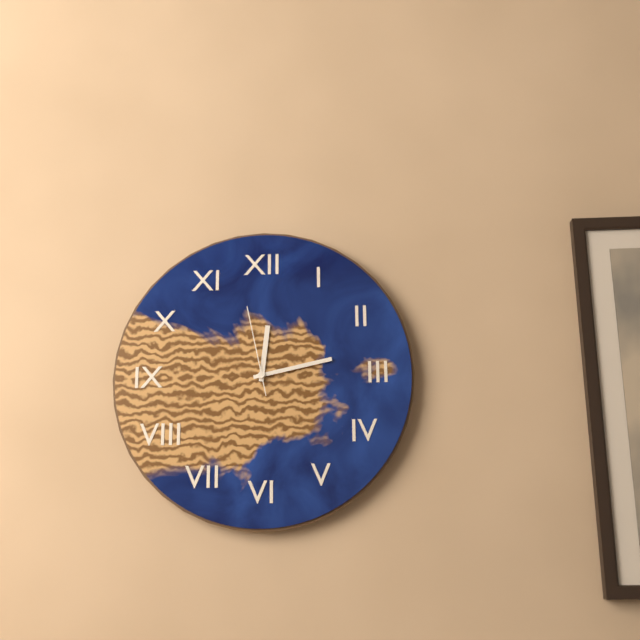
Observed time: 12h13m58s
